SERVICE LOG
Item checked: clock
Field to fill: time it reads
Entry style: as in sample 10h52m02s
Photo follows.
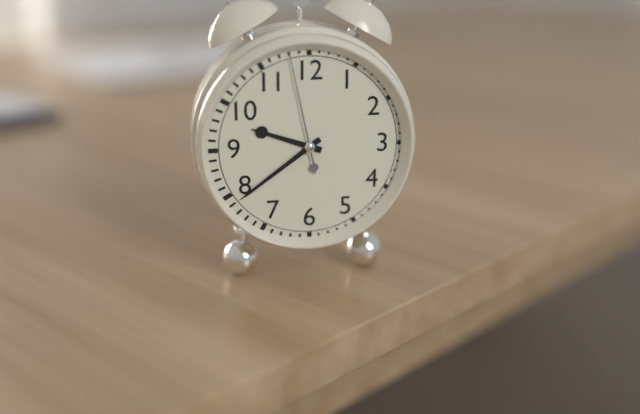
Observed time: 9h39m58s
